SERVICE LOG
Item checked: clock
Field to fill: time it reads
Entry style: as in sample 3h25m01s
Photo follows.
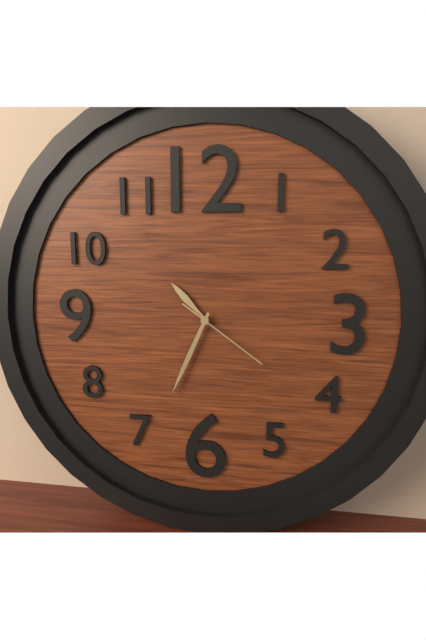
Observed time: 10h34m21s
